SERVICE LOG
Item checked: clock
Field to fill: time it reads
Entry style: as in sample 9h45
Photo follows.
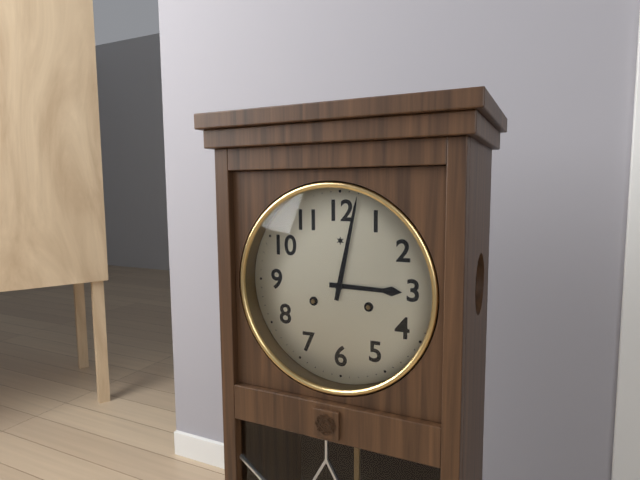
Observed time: 3h02
